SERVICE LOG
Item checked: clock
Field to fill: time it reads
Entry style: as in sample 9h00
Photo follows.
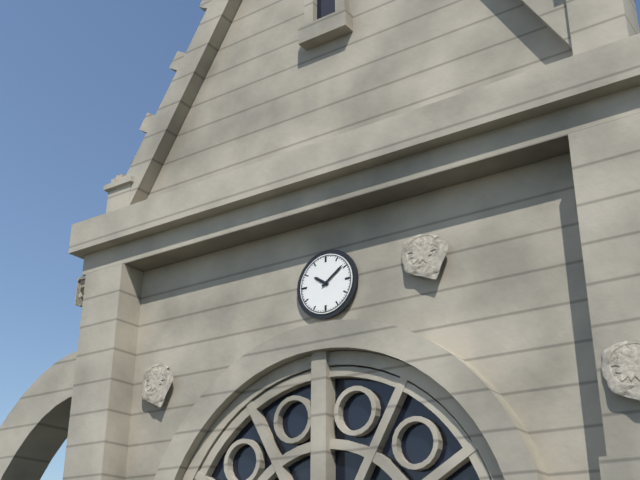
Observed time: 10h09
